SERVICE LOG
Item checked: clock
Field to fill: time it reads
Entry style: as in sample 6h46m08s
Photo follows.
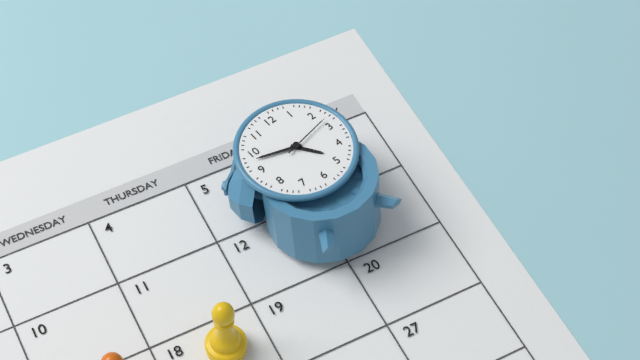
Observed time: 4h48m13s
